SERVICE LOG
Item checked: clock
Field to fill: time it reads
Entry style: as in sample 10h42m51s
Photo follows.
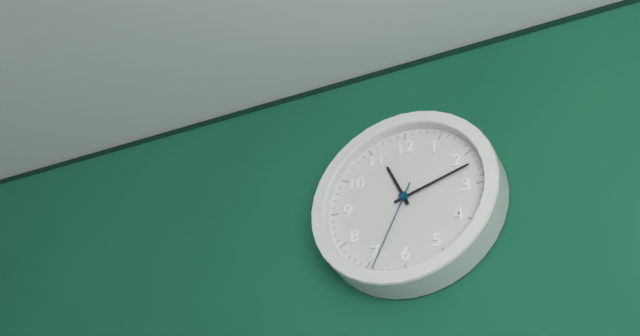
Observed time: 11h12m34s
